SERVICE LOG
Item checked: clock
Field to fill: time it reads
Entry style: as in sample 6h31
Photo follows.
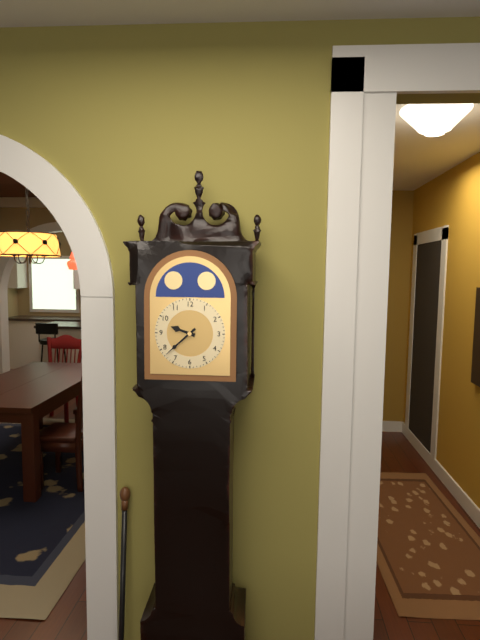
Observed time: 9h38
